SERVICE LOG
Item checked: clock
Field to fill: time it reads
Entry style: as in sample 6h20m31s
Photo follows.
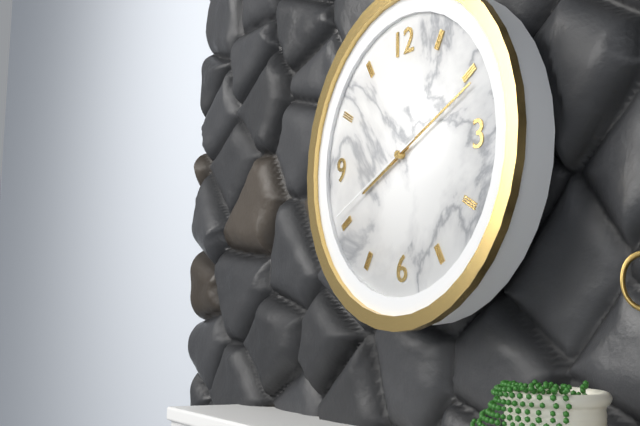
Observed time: 8h11m41s
